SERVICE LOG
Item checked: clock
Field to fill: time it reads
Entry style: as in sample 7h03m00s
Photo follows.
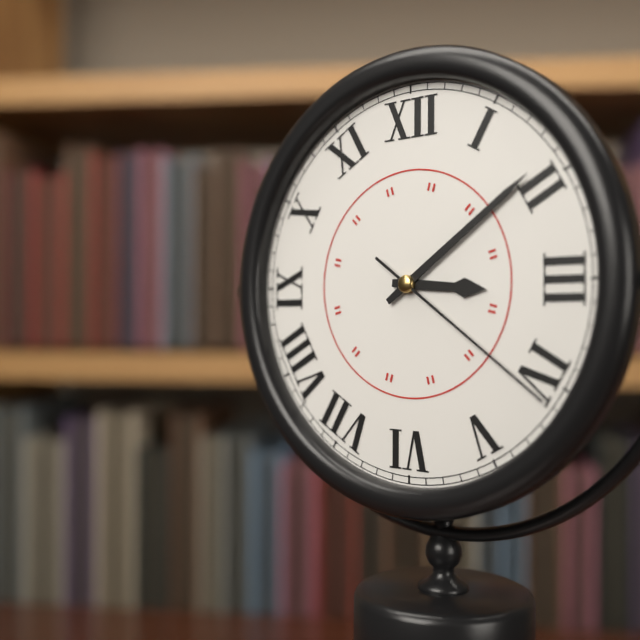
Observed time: 3h09m21s
